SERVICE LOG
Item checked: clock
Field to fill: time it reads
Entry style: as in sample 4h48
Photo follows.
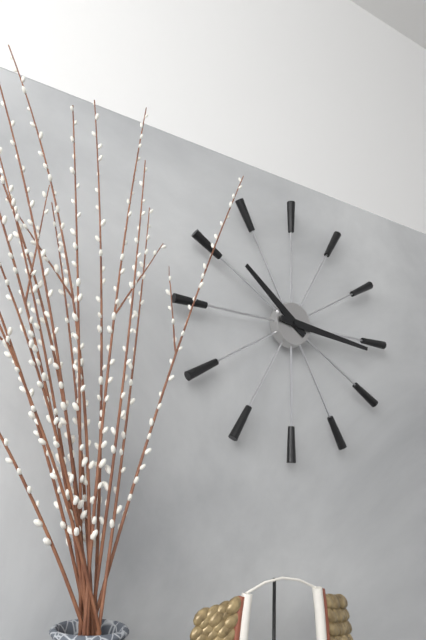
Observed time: 10h16
